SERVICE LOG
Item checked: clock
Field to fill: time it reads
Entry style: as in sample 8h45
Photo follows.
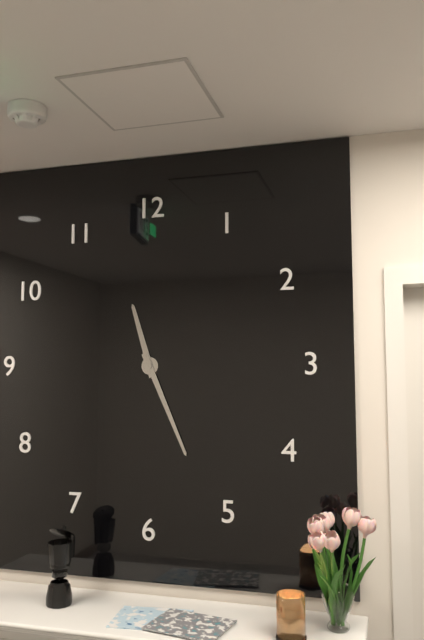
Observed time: 11h26
